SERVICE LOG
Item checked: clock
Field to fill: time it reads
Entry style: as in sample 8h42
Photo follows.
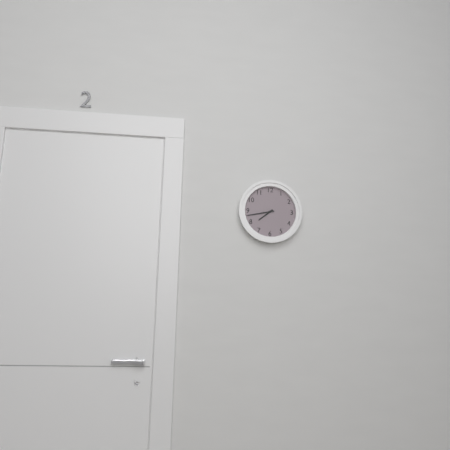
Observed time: 7h43
